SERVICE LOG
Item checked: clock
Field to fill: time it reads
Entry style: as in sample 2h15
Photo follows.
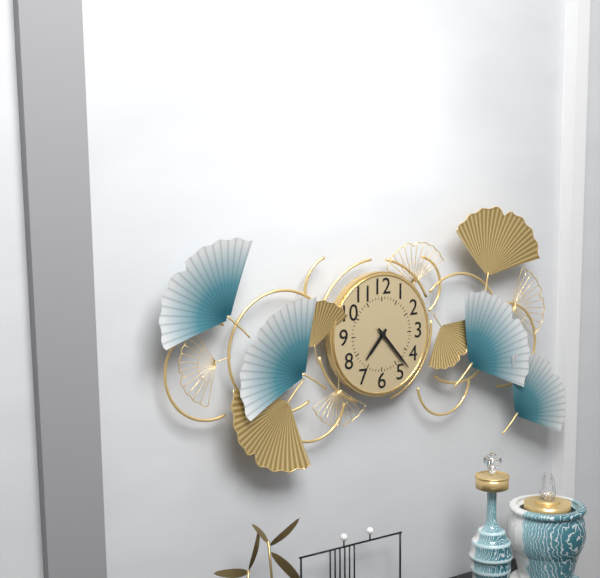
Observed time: 7h23
